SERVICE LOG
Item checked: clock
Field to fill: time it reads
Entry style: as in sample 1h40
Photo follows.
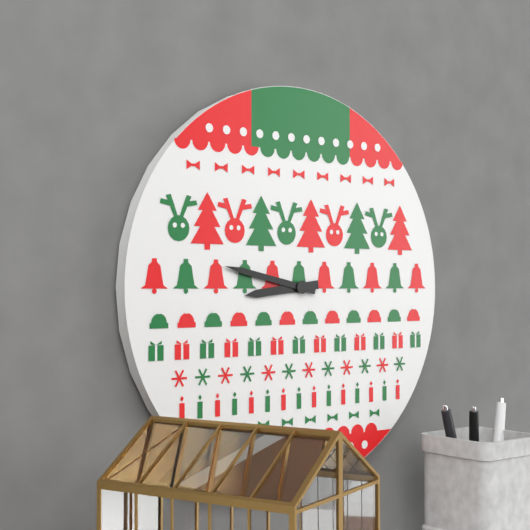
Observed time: 8h47
